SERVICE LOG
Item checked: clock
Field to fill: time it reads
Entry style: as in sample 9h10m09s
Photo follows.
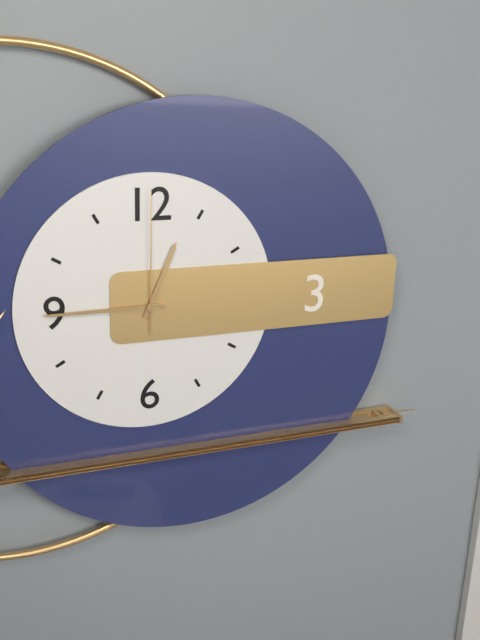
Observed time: 12h45m00s
